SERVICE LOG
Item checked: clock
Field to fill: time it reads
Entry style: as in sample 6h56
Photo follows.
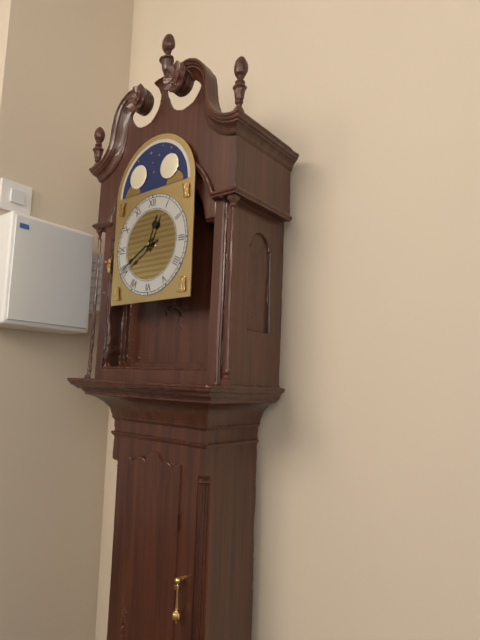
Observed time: 12h40
